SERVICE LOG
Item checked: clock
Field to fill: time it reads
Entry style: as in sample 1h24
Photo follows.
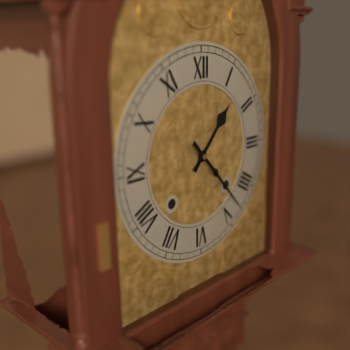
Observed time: 1h23
